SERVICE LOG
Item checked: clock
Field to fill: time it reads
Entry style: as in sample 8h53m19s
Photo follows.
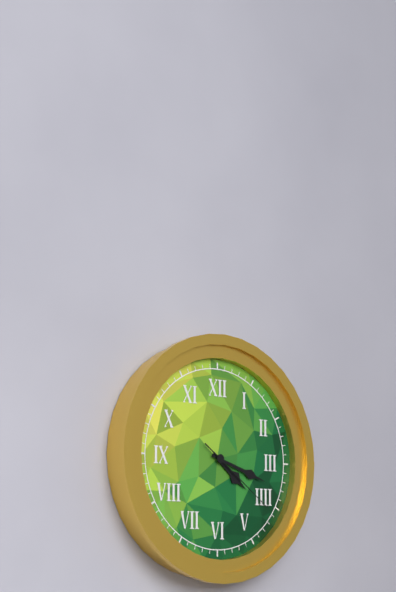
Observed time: 4h18m21s
